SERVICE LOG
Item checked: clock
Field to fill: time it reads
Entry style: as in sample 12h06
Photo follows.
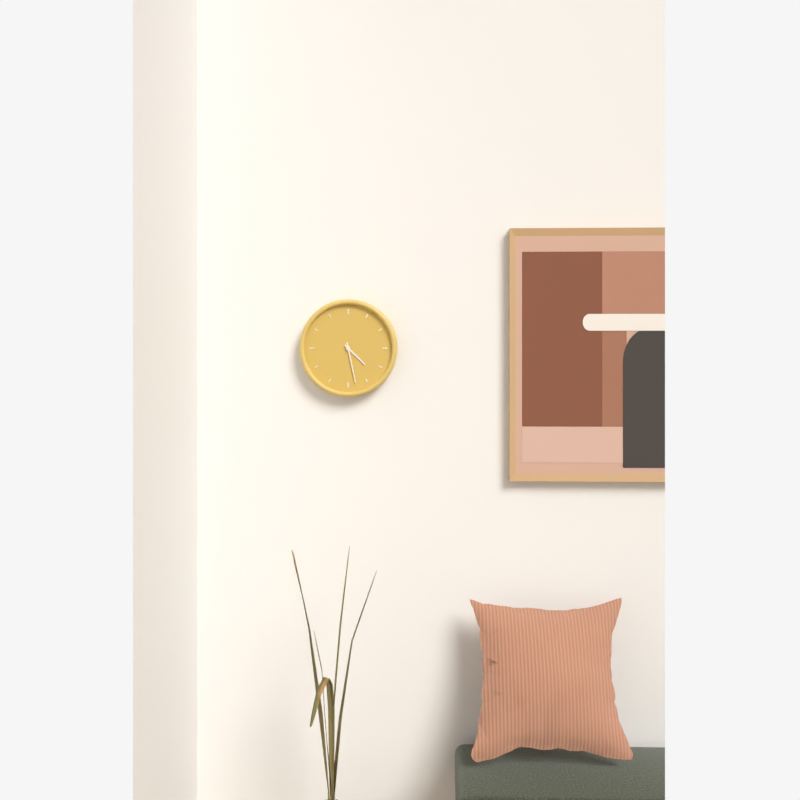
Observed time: 4h28
